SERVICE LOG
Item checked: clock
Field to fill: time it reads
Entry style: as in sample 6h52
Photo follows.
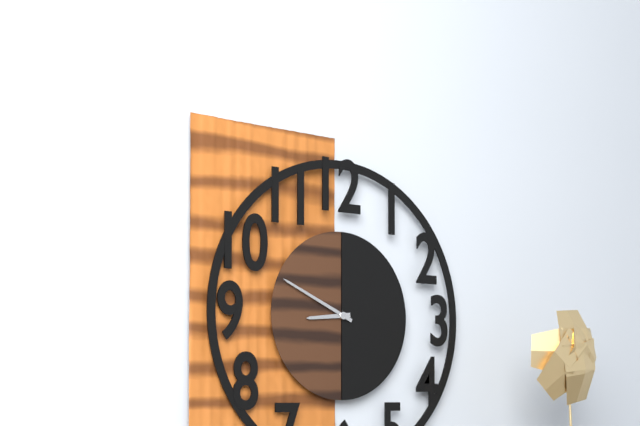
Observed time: 8h49
